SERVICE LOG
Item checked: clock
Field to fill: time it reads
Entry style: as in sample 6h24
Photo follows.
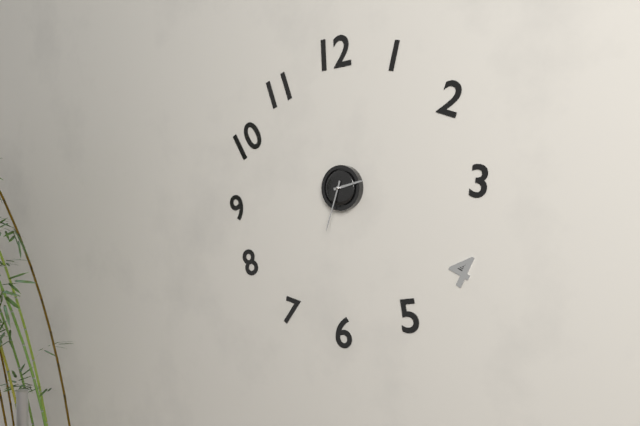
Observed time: 2h33
